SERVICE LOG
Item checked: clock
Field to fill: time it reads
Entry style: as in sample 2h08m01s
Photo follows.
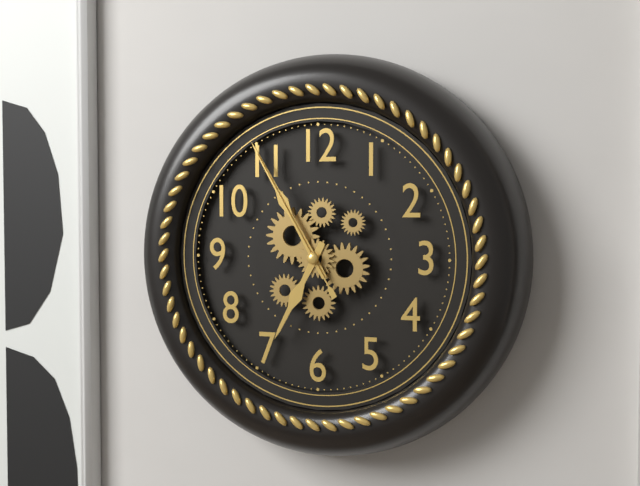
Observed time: 6h55m55s
